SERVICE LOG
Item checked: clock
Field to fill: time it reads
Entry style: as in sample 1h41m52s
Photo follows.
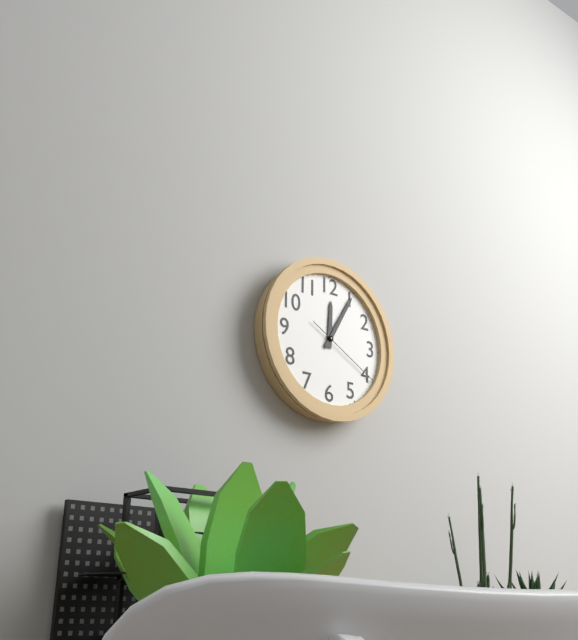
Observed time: 12h05m20s
